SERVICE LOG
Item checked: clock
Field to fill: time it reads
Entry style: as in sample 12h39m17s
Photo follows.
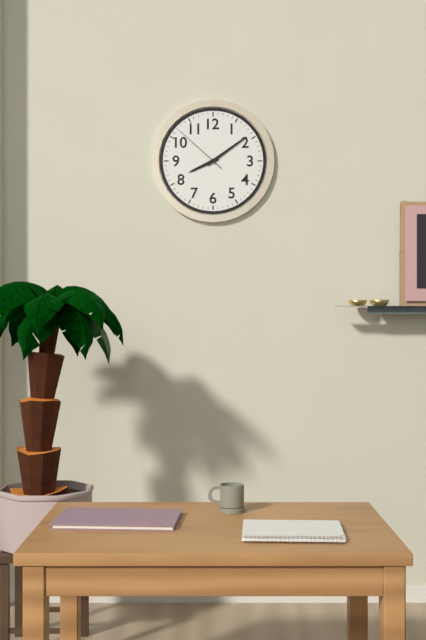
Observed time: 8h09m52s
